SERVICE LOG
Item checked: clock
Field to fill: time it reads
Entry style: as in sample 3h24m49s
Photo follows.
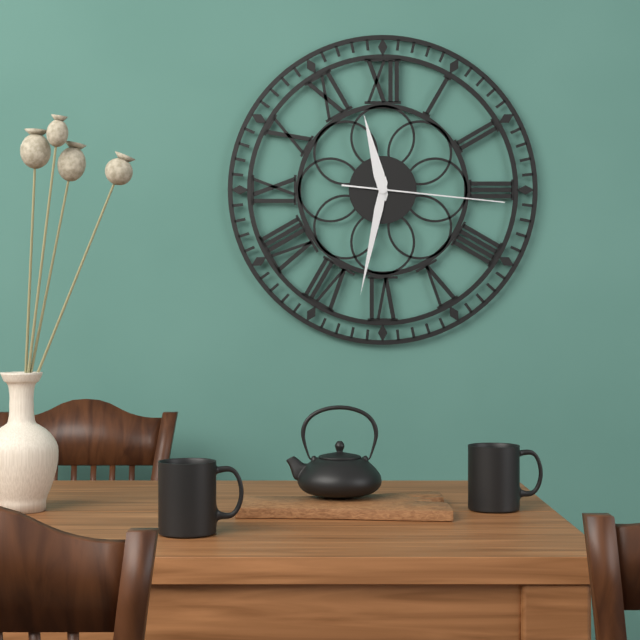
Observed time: 11h32m16s
